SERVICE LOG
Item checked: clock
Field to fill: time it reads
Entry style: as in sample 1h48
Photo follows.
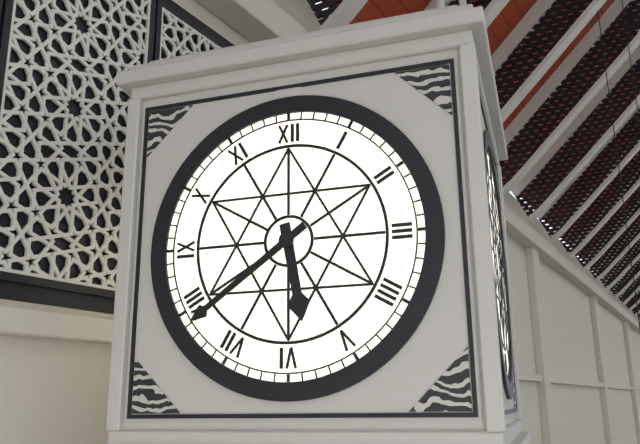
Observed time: 5h39
